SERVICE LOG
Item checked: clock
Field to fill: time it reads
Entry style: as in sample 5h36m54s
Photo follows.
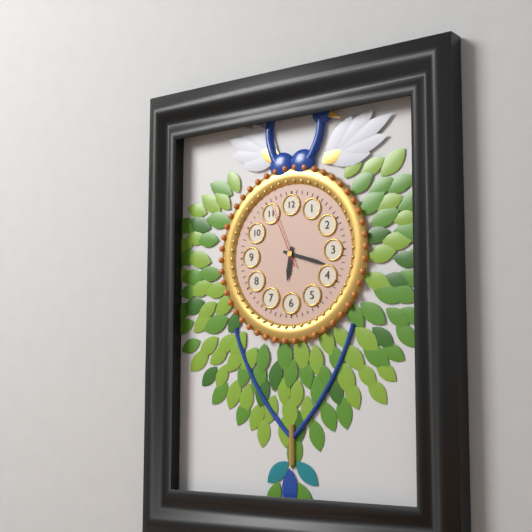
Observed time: 6h18m56s
